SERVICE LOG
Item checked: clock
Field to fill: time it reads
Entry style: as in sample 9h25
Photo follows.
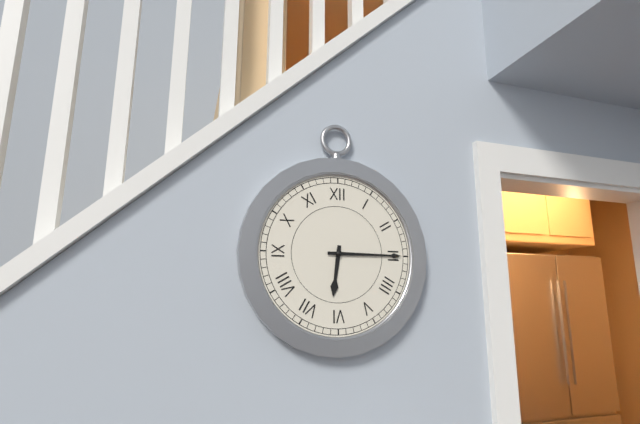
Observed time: 6h15
